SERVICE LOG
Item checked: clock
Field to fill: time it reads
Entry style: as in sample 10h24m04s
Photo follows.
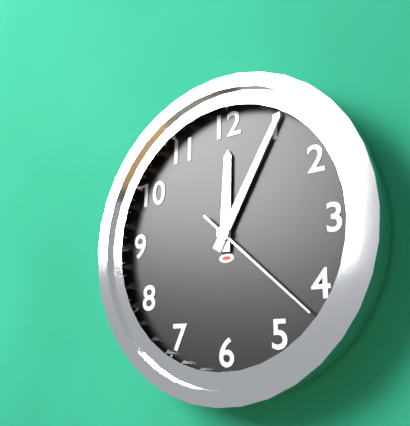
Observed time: 12h05m22s
